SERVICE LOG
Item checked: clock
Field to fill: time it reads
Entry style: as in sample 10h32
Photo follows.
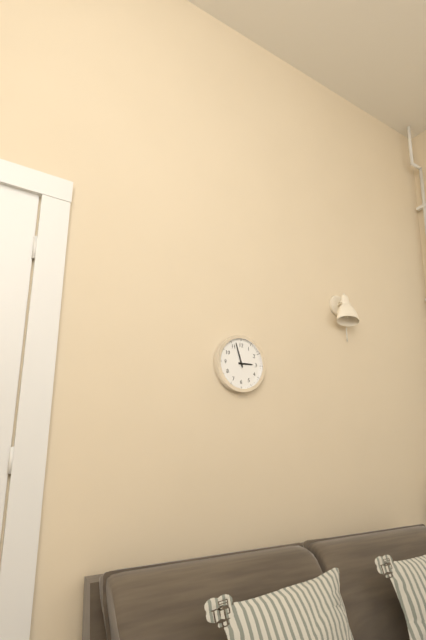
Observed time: 2h57
